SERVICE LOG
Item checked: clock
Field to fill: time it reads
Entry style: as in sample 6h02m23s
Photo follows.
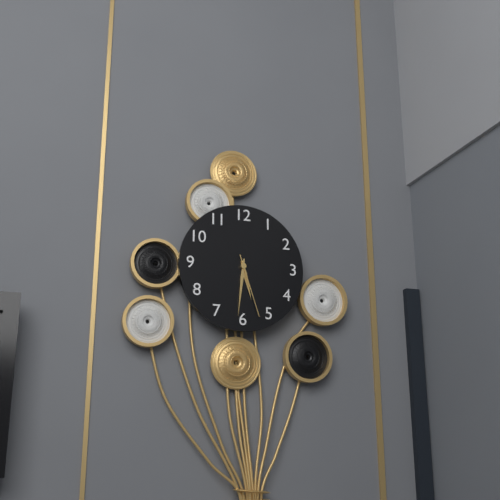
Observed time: 5h31m27s
